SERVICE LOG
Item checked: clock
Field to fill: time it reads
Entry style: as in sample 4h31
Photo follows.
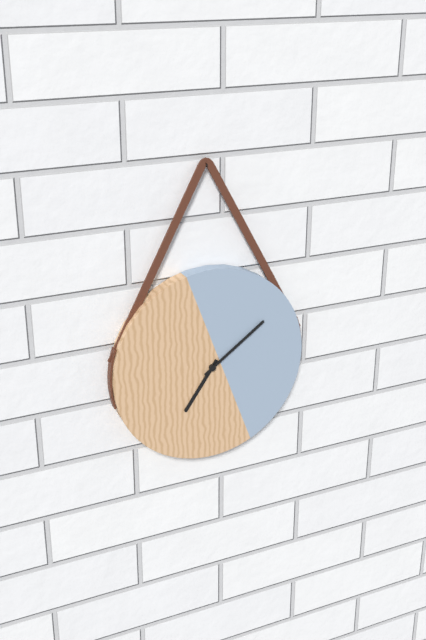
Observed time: 7h09
